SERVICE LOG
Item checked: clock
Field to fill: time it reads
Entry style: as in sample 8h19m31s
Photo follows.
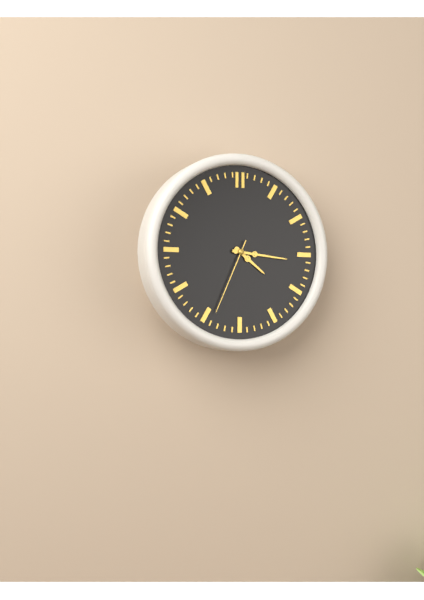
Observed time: 4h16m34s
